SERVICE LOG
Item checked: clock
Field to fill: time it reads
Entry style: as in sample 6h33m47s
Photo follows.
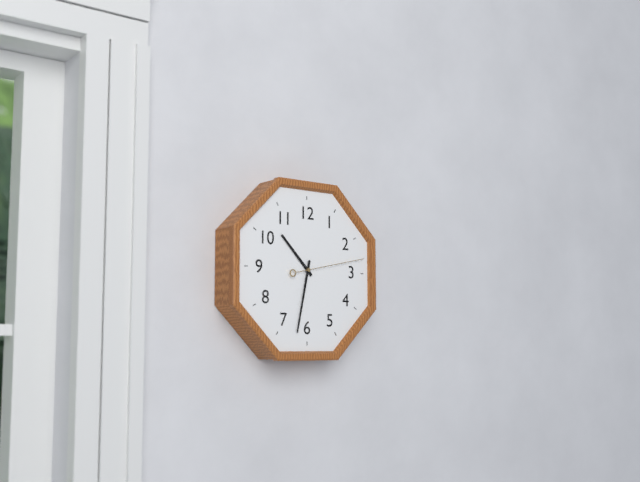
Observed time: 10h32m13s
